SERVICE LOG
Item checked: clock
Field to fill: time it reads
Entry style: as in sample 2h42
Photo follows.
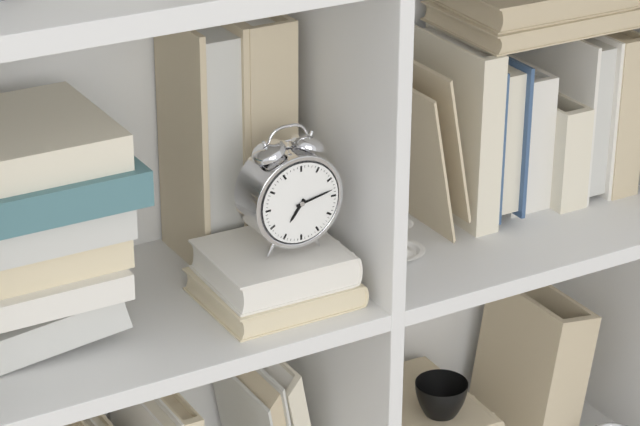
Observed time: 7h13
